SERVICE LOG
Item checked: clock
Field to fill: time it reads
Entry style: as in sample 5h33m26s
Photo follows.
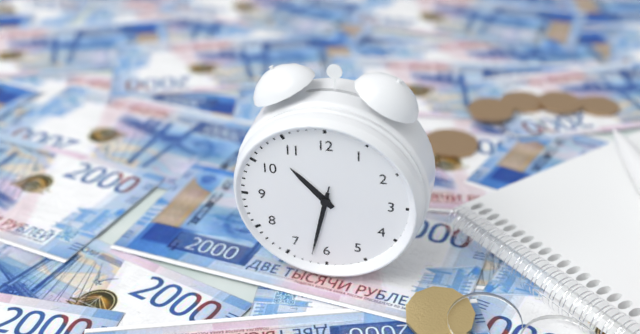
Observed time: 10h32m32s
